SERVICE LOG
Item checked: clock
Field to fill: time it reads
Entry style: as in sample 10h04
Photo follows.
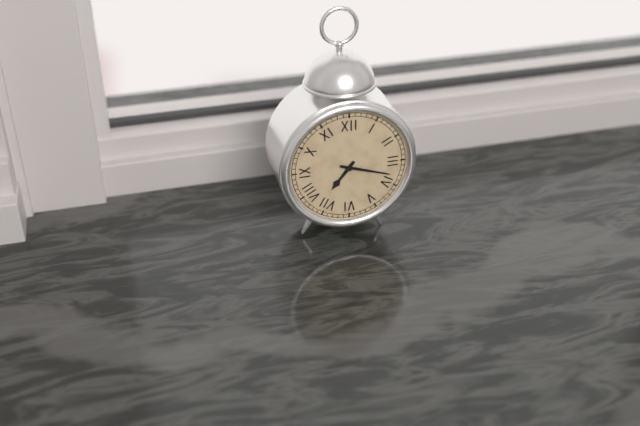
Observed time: 7h18
